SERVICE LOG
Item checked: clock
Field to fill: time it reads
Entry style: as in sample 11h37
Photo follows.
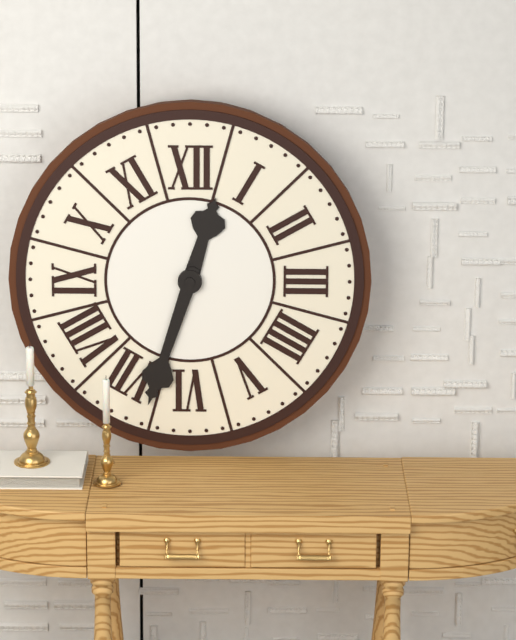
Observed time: 12h33
